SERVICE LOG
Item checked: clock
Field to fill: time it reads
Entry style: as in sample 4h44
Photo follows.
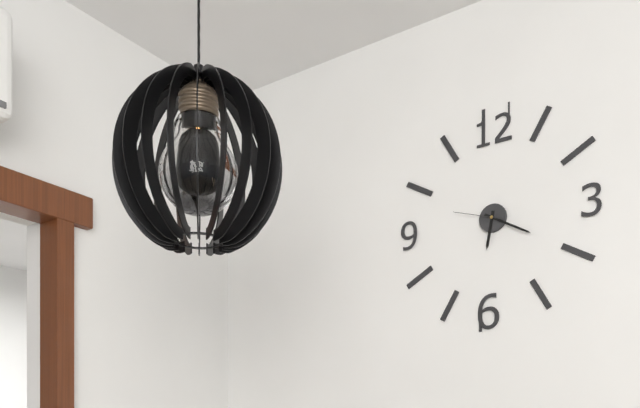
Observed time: 6h20
